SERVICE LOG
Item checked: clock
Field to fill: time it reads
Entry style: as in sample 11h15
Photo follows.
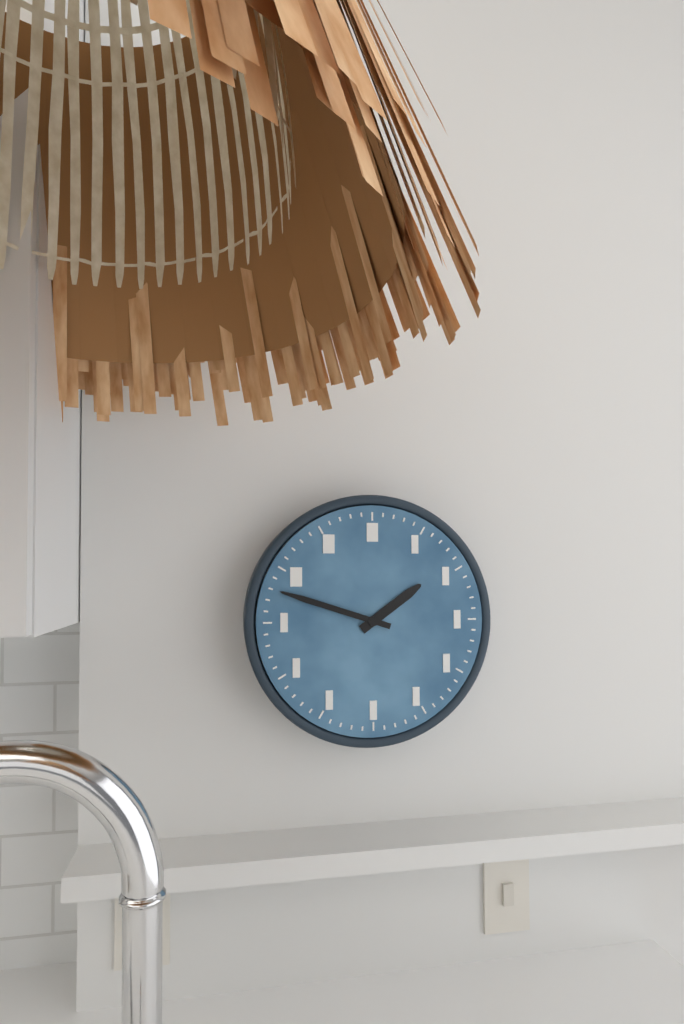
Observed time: 1h48
